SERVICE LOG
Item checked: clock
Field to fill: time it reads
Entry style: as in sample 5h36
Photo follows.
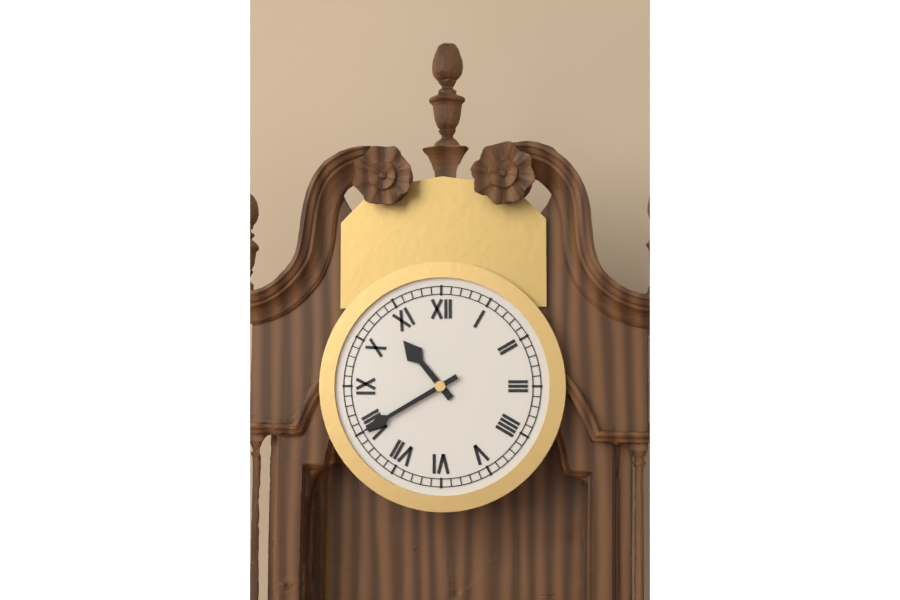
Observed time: 10h40
